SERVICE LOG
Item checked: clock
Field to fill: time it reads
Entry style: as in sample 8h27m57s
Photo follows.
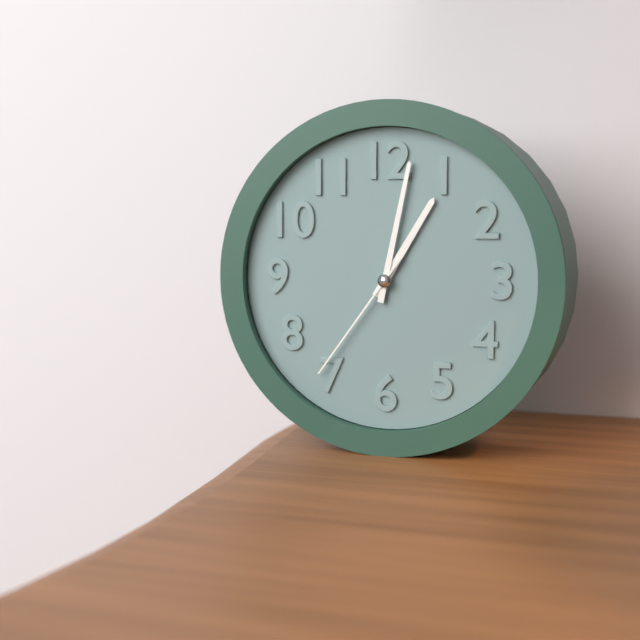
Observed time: 1h02m36s
